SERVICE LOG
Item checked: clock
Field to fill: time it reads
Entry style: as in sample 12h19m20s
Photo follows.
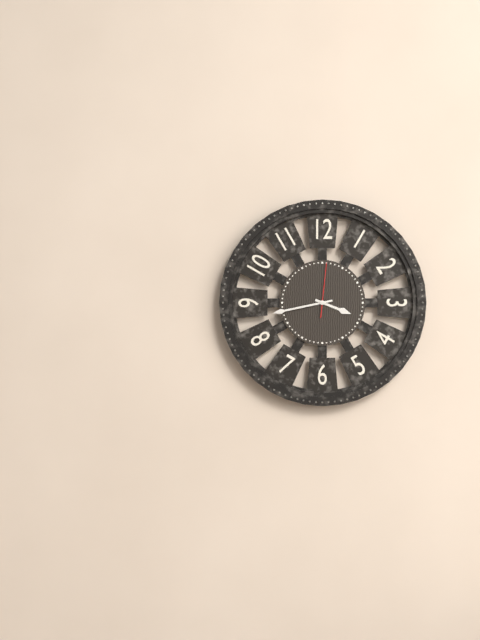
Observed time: 3h43m01s
